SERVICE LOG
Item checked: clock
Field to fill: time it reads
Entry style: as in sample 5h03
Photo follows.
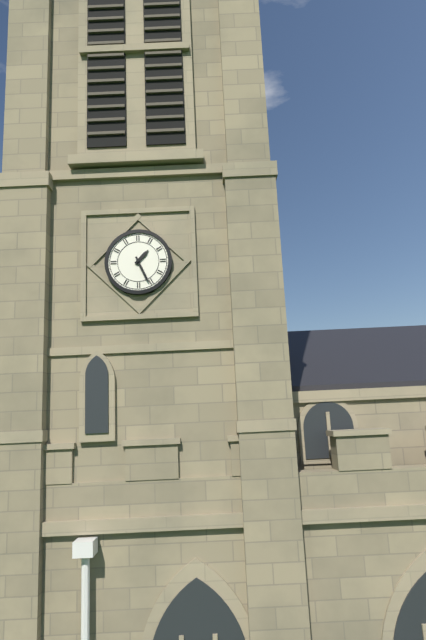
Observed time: 1h26
